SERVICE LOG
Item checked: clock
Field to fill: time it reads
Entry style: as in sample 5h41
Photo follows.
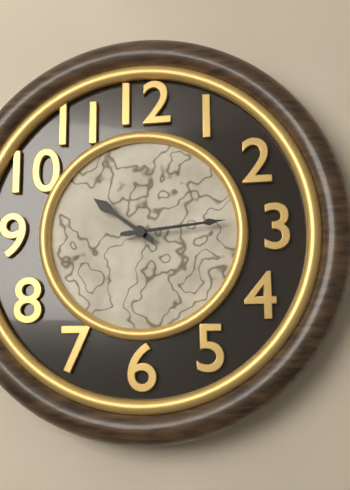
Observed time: 10h14
